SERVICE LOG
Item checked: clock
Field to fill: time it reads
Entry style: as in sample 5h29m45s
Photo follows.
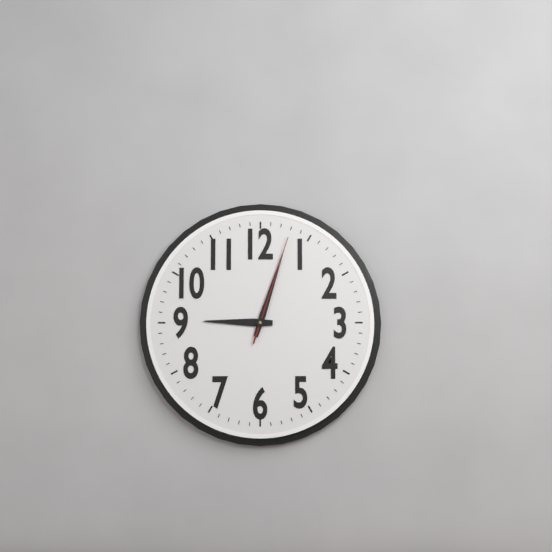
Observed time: 9h03m03s
